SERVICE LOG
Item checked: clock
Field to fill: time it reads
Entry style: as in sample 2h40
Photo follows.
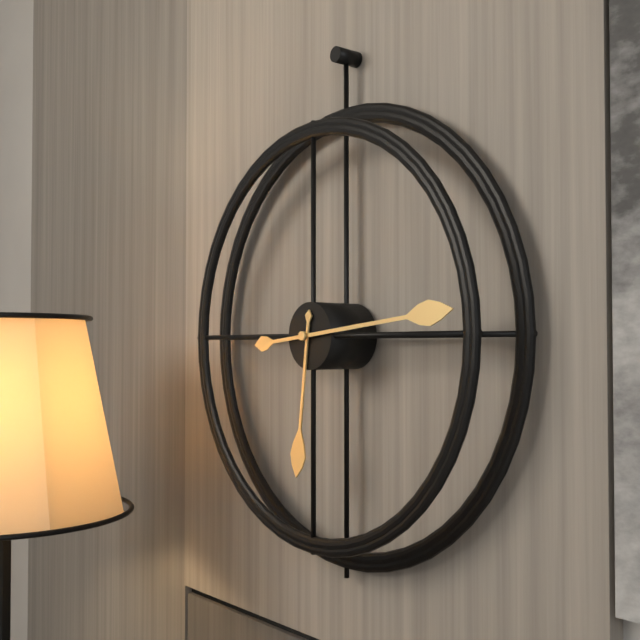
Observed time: 6h14
